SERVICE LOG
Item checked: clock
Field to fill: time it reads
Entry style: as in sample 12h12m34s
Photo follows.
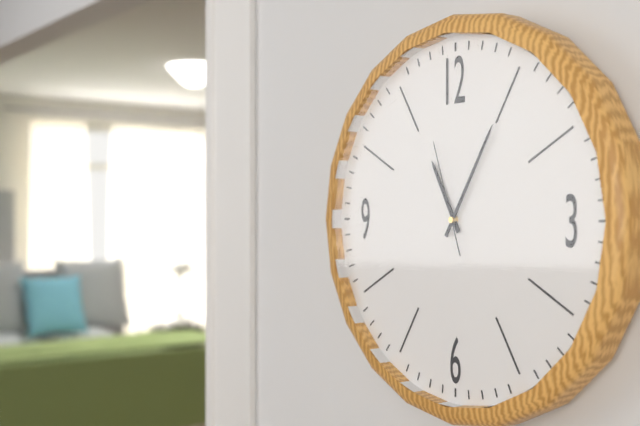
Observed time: 11h05m57s
